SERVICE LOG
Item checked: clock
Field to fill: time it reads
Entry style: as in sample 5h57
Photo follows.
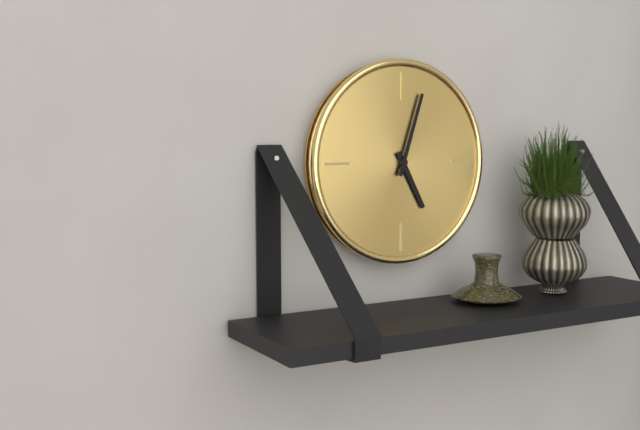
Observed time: 5h03
